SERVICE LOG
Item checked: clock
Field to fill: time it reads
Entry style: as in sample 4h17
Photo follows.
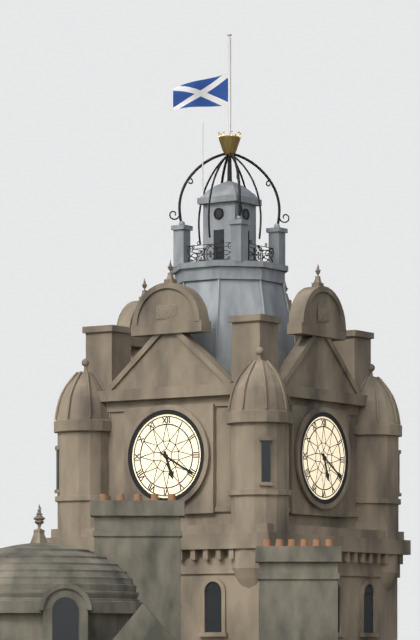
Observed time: 5h20
